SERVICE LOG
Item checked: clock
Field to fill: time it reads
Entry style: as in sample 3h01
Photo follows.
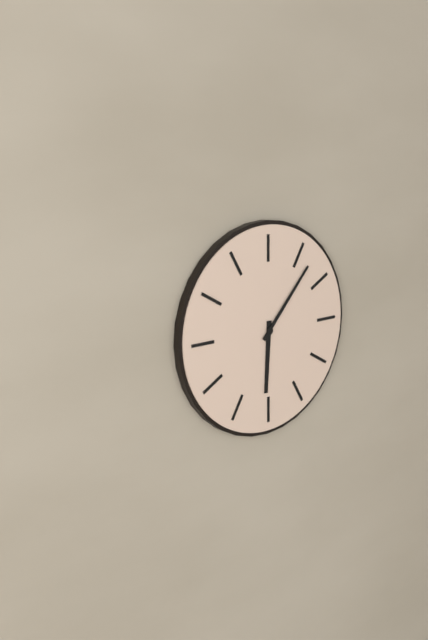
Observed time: 6h07
